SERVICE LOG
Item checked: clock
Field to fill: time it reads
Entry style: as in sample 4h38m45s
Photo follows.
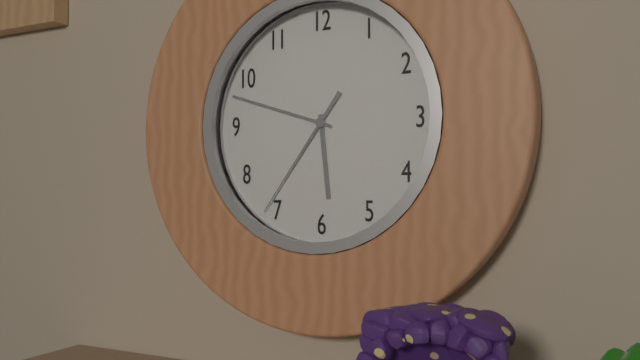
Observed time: 5h48m36s
